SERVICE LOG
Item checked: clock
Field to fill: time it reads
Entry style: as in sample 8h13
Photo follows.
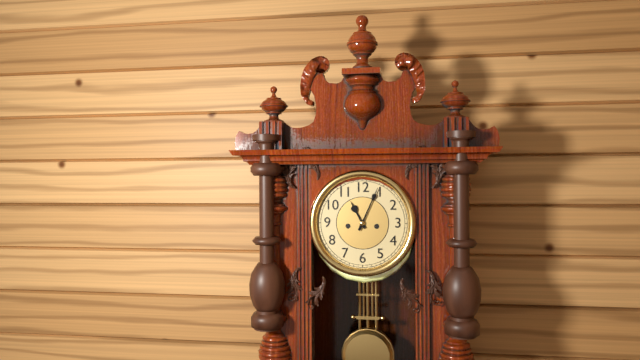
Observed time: 11h04
